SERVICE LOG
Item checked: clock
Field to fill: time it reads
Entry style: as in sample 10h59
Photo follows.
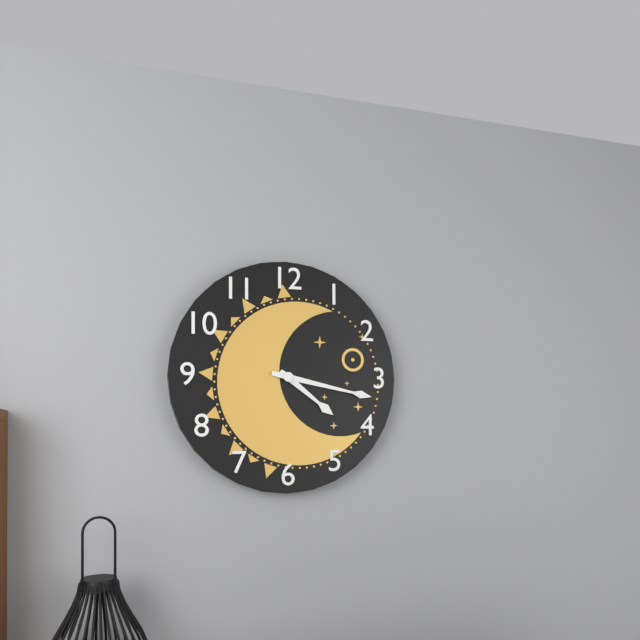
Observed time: 4h17
